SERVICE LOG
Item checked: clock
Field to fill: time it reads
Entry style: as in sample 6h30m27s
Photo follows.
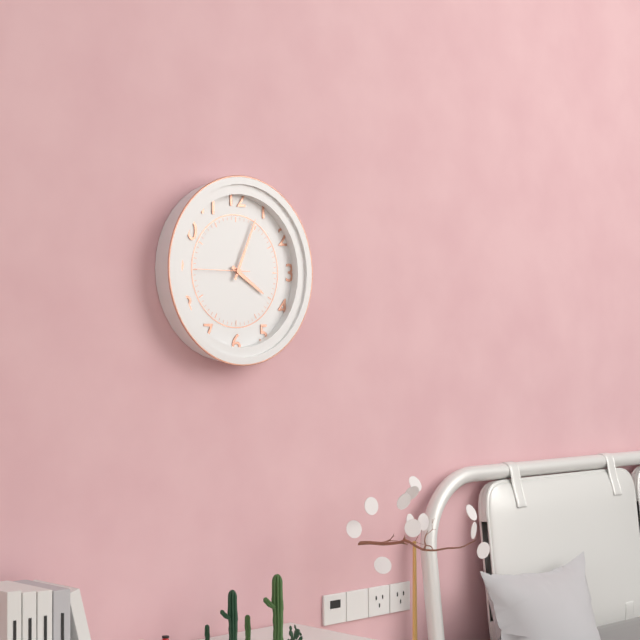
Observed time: 4h04m45s
